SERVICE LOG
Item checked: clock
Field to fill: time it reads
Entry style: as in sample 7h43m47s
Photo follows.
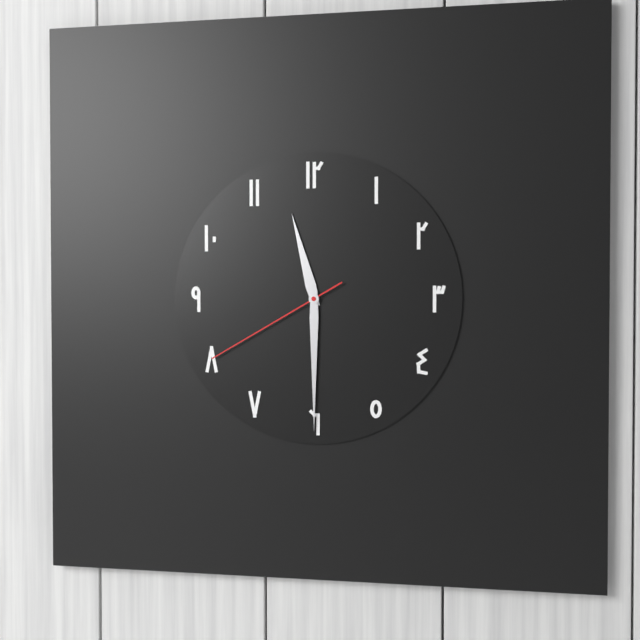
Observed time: 11h30m40s
